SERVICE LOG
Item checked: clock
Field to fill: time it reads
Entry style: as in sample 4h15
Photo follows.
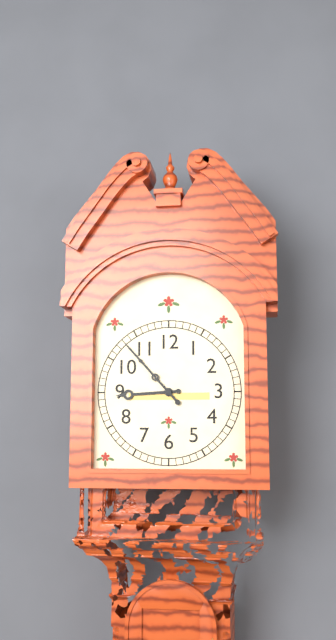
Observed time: 8h53
